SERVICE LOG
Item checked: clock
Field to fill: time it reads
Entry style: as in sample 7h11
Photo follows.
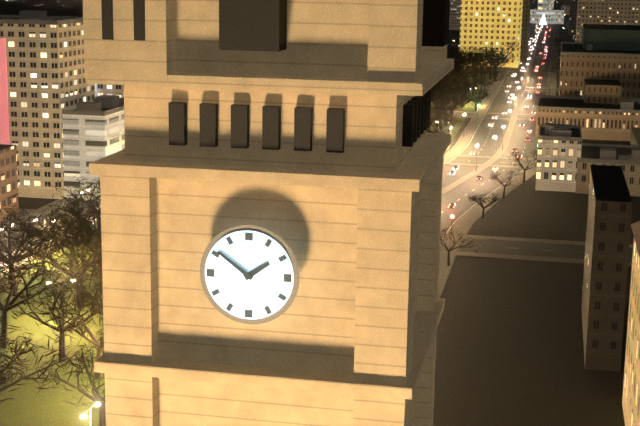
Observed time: 1h51
